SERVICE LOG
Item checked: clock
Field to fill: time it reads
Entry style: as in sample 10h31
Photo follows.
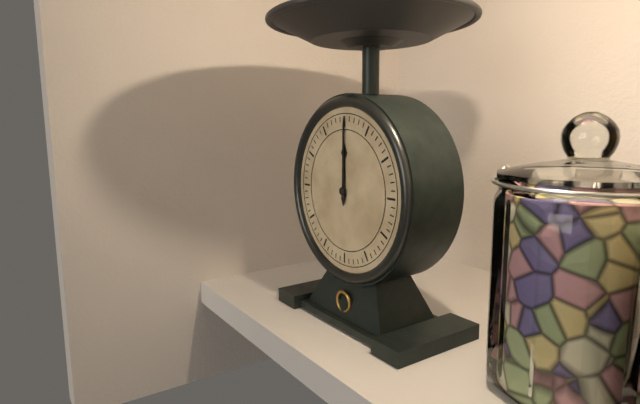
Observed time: 12h00
